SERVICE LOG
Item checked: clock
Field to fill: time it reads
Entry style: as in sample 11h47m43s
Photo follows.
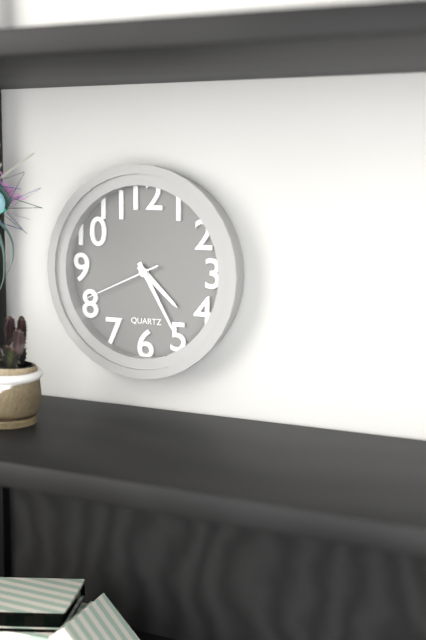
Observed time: 4h25m41s
